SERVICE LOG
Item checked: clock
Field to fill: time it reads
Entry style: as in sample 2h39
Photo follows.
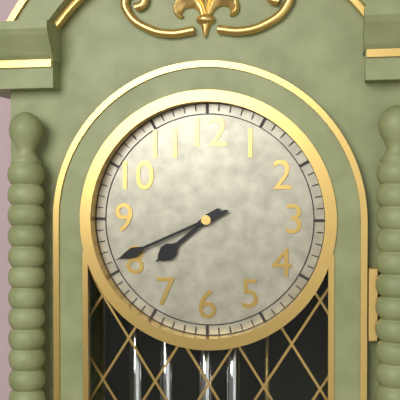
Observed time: 7h41
